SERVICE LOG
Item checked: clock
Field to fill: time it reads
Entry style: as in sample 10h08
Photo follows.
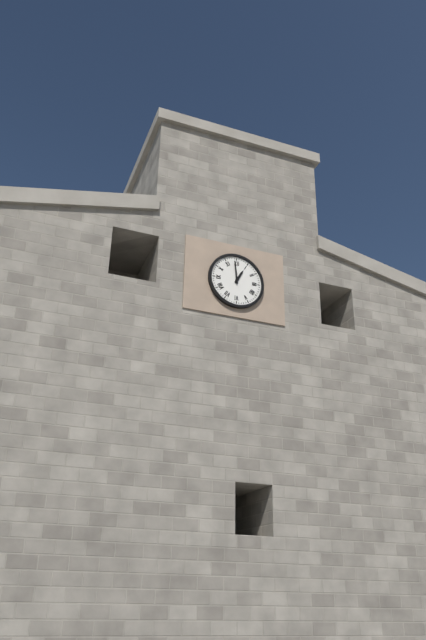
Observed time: 12h59
